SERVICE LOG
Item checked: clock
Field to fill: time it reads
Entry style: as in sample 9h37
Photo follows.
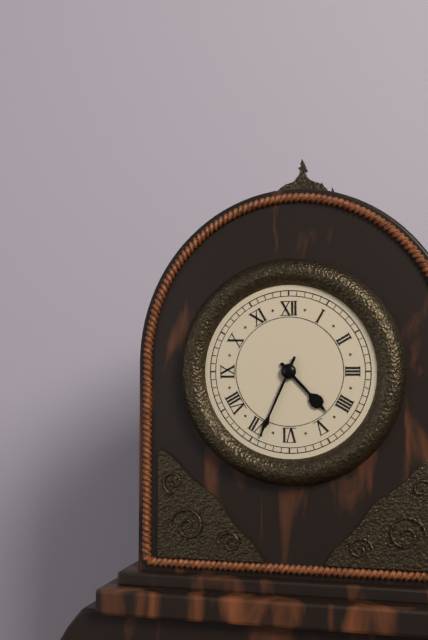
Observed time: 4h34
